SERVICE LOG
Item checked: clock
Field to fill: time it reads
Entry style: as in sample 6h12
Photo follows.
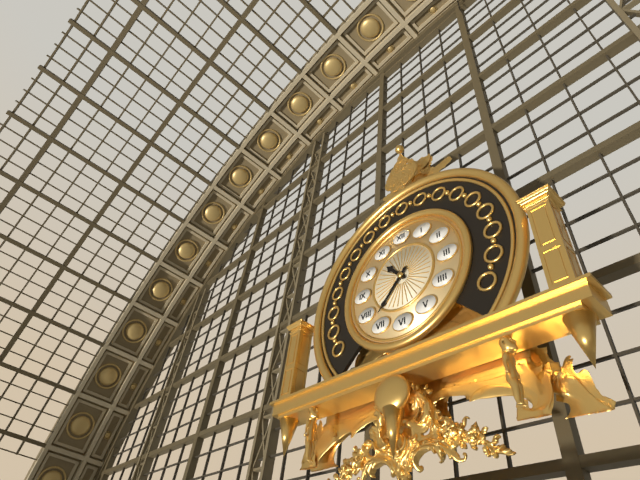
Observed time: 10h37
